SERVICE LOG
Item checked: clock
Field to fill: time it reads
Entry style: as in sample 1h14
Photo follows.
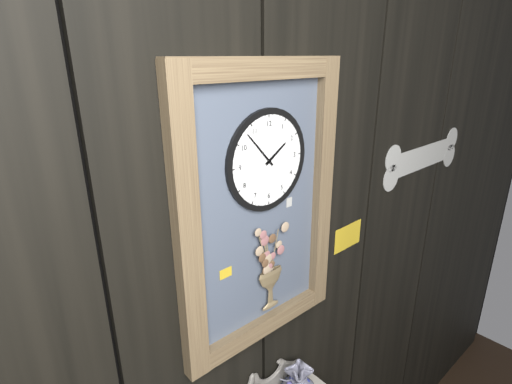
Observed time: 1h53
